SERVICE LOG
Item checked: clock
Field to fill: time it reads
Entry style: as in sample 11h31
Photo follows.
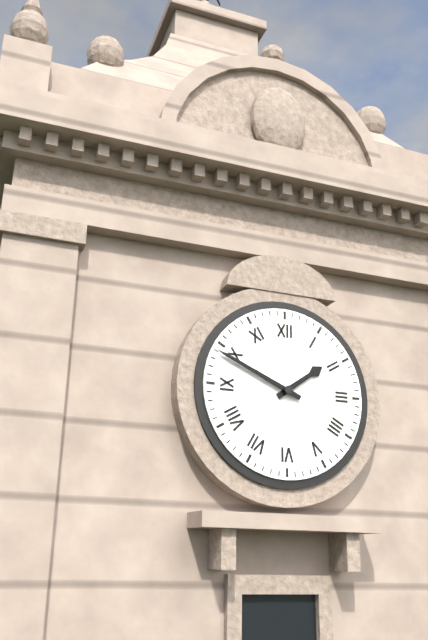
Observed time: 1h49
